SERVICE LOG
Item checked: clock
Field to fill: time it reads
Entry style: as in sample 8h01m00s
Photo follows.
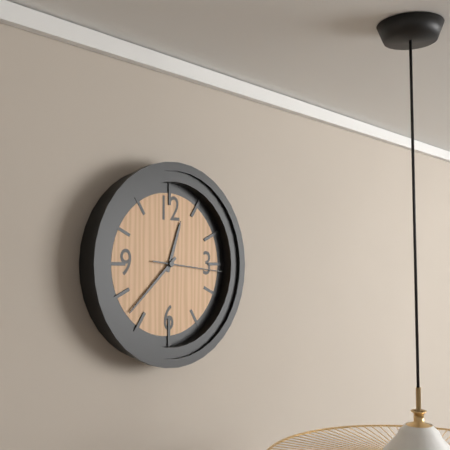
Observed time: 12h38m16s
